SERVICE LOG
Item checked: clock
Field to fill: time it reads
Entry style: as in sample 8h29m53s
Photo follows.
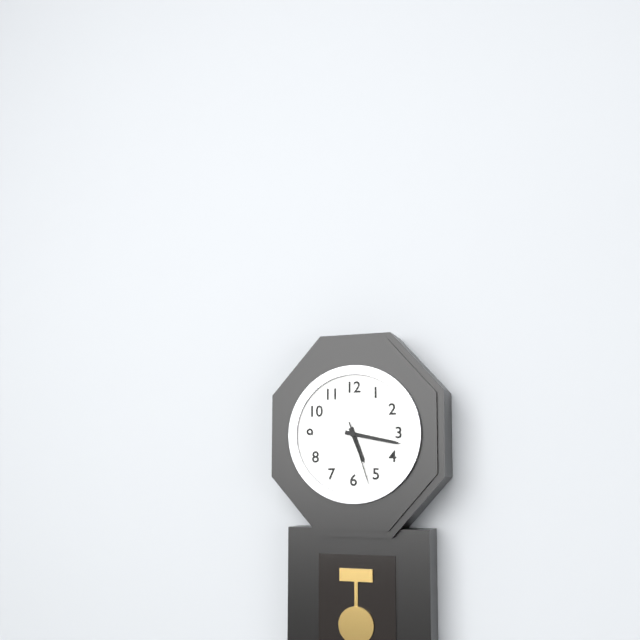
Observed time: 5h17m27s
